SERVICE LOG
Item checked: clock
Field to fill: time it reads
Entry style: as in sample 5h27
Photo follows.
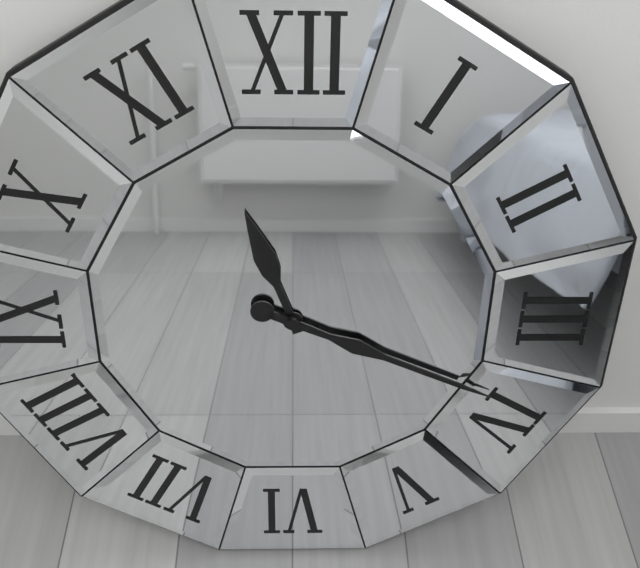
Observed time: 11h19
